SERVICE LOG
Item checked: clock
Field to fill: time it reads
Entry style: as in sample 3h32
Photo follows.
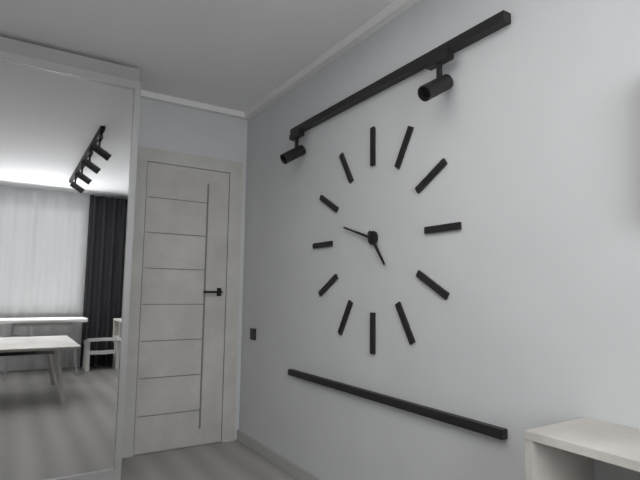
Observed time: 4h48
